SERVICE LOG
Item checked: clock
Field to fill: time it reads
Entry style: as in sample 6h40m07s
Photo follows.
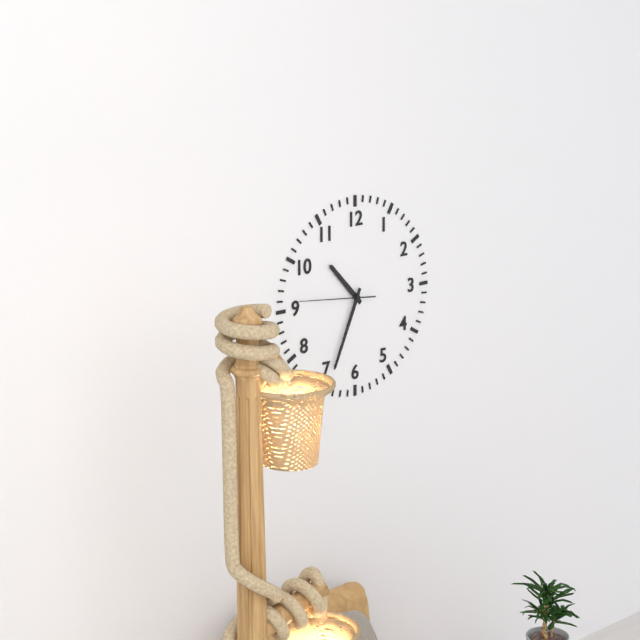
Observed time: 10h34m46s
